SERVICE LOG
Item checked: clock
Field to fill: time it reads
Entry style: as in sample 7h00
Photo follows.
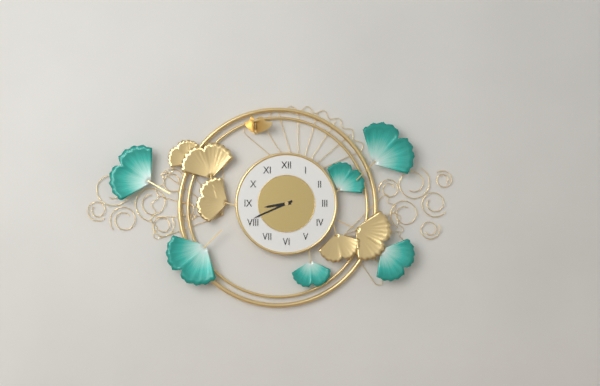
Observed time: 8h41
